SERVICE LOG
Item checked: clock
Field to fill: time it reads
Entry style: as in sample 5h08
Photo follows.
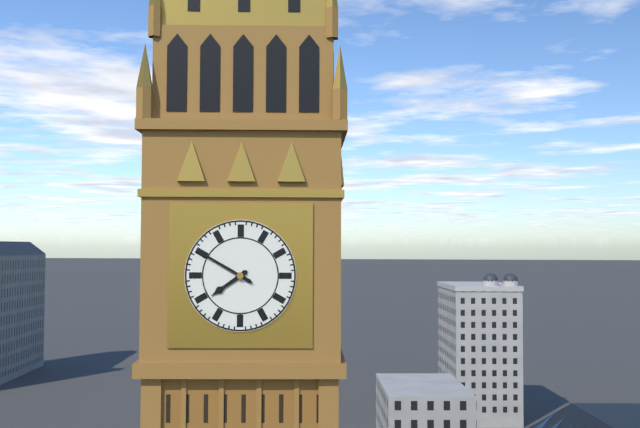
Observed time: 7h50
